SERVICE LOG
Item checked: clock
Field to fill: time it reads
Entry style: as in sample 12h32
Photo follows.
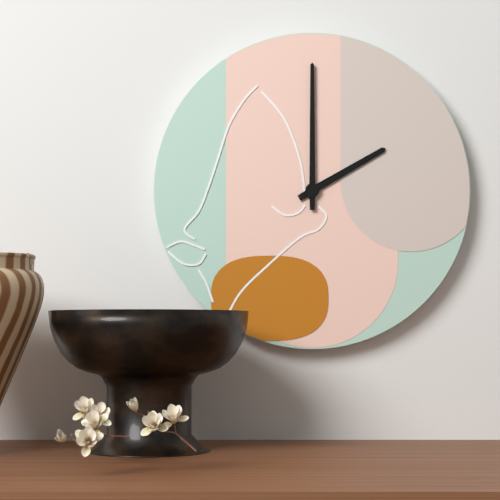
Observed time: 2h00
